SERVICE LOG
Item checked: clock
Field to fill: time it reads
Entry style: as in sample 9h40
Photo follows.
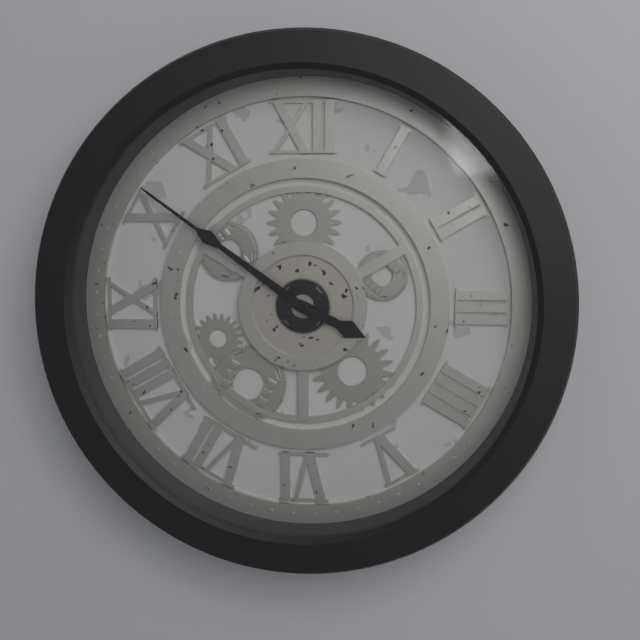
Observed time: 3h51
